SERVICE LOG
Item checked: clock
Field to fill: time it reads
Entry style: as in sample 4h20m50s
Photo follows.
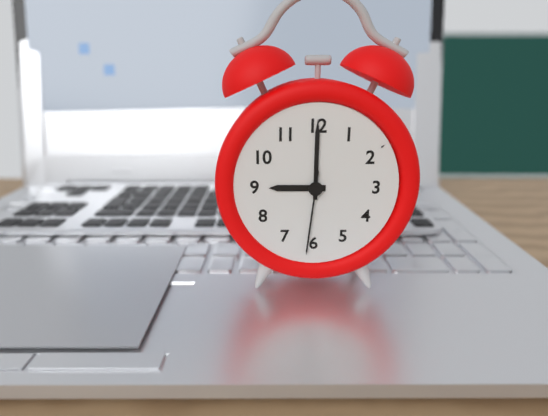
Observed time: 9h00m31s
